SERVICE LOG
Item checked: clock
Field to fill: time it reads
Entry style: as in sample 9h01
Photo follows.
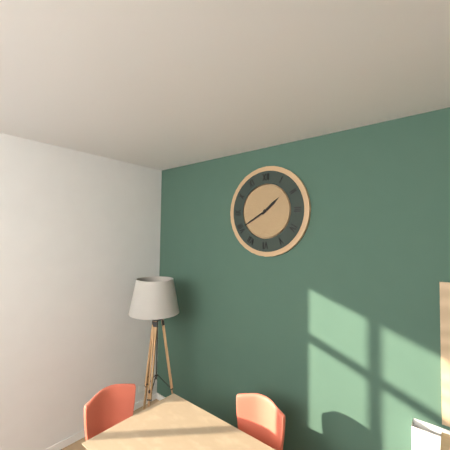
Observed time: 1h40
